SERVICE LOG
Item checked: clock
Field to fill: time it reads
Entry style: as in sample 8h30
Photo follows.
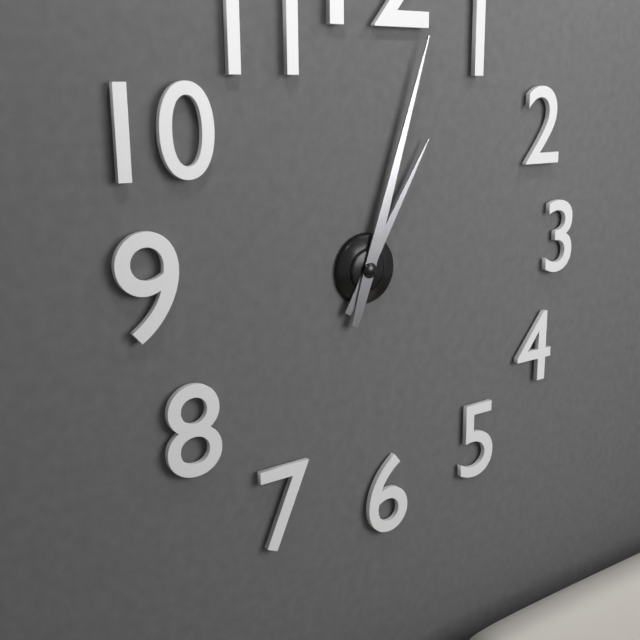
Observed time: 1h03
